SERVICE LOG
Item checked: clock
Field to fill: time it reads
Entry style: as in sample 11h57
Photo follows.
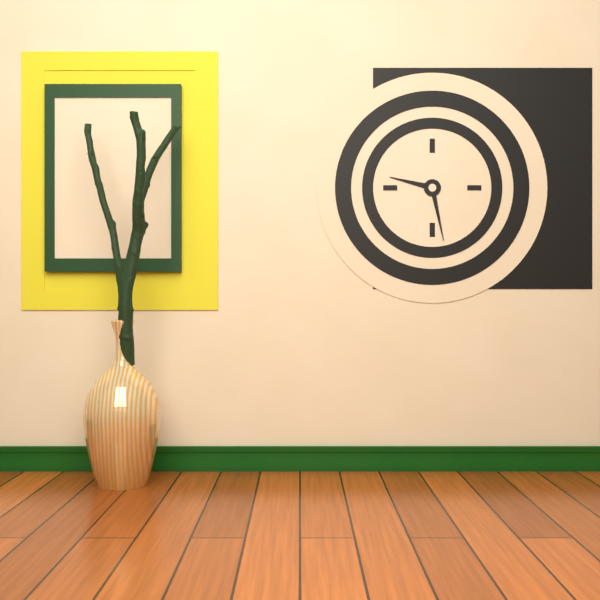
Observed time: 9h28
